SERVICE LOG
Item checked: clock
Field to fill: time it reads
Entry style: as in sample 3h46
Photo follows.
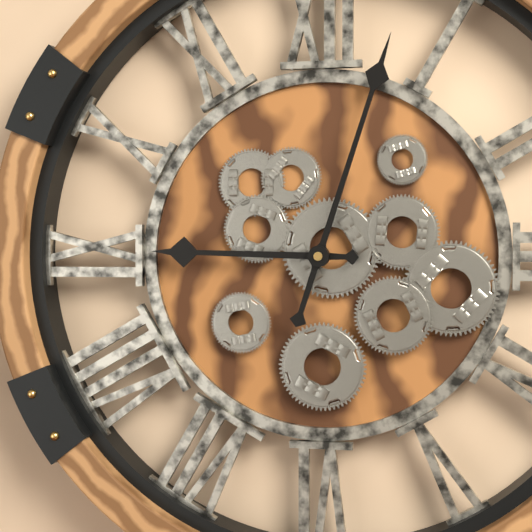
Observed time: 9h03
